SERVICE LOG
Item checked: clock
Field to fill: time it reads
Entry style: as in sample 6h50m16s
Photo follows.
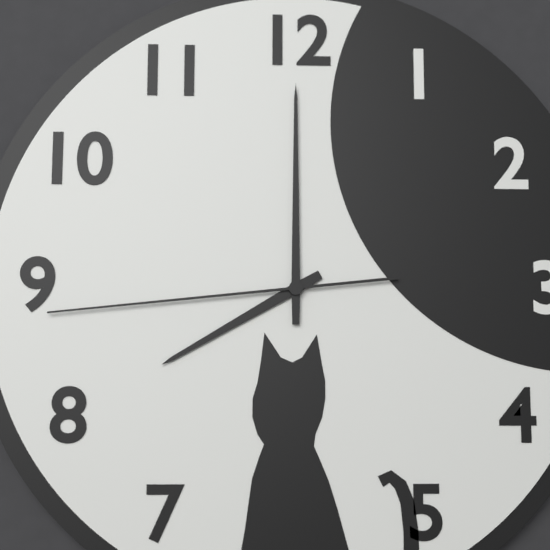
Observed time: 8h00m44s
